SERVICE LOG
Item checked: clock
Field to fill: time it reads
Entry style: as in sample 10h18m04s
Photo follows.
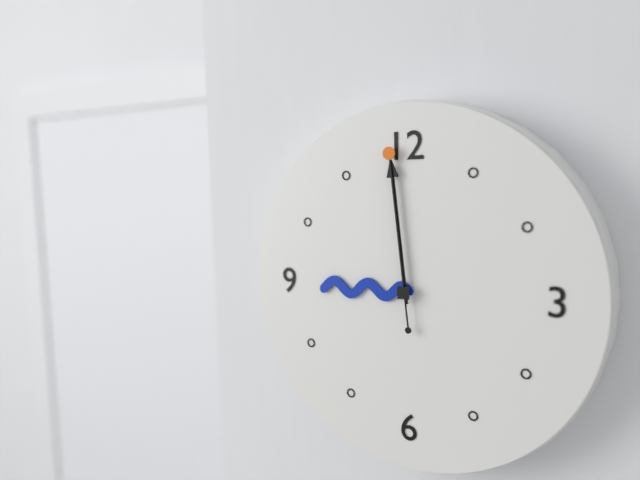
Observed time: 8h59m59s
